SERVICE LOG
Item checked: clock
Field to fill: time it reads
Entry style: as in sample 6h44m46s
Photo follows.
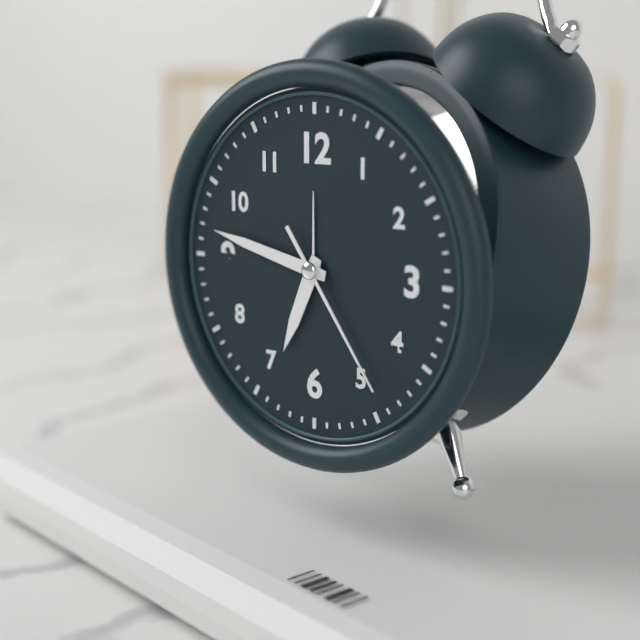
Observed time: 6h47m24s
